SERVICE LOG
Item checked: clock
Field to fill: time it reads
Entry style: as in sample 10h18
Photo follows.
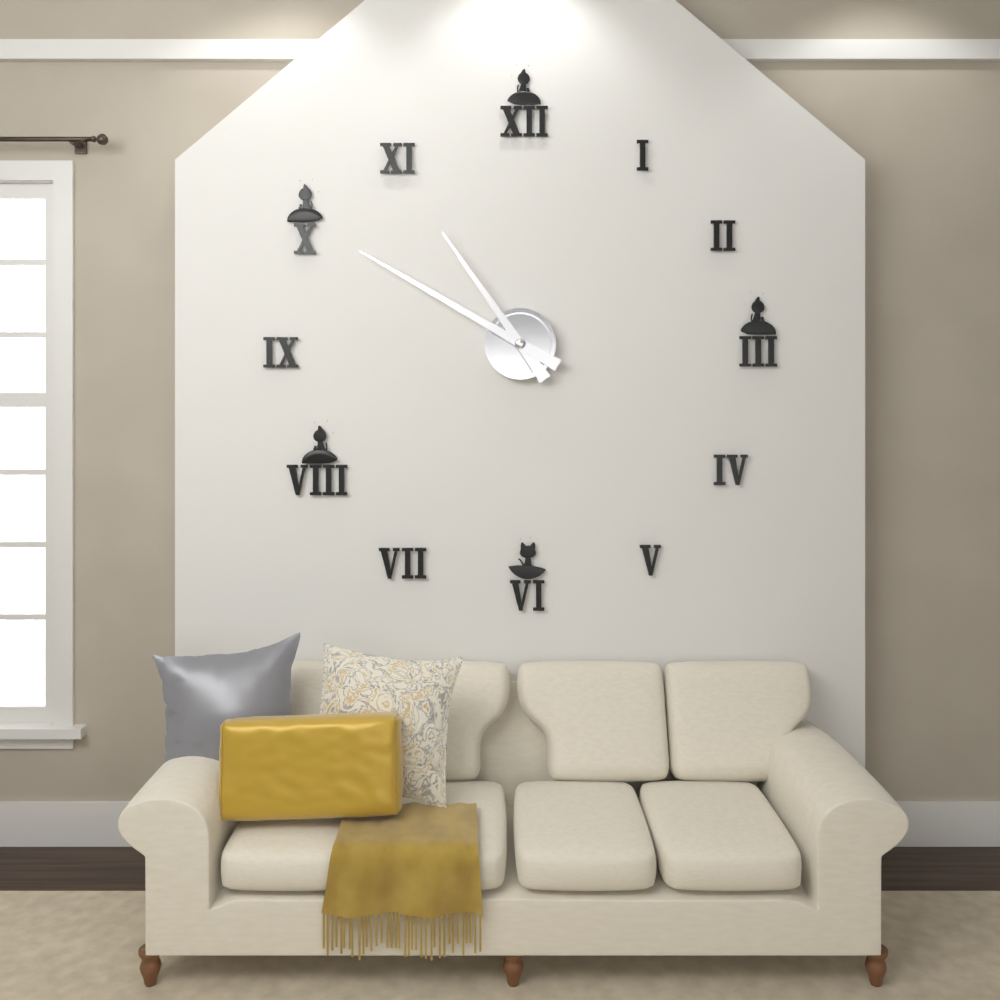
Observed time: 10h50
